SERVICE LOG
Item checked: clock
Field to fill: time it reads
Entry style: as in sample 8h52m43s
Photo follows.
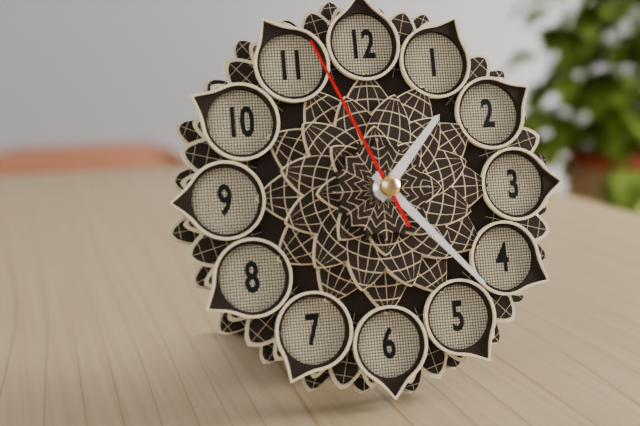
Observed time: 1h23m56s
